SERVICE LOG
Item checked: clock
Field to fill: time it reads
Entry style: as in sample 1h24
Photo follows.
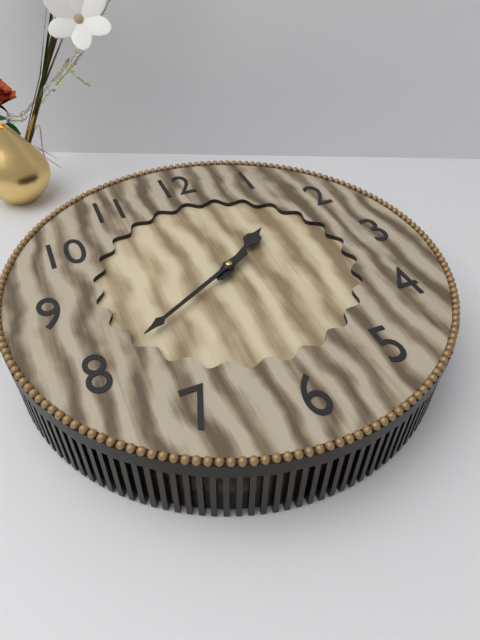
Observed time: 1h40
